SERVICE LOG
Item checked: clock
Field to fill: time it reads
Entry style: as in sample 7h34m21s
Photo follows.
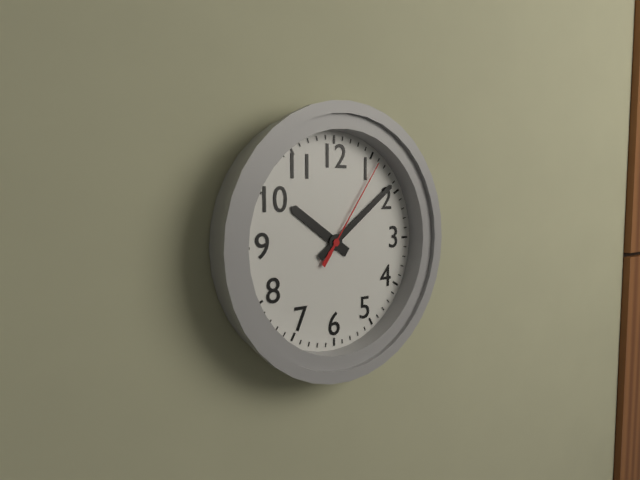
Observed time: 10h09m06s
